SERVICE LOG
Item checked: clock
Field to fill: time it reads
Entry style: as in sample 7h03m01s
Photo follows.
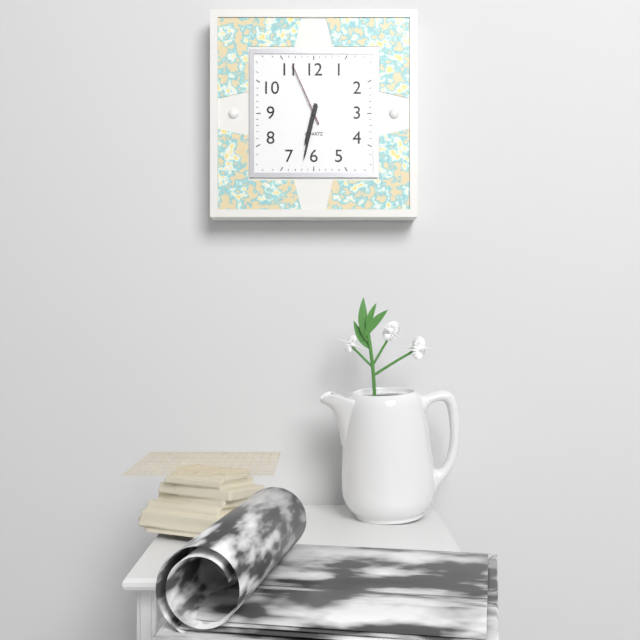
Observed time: 6h32m56s
